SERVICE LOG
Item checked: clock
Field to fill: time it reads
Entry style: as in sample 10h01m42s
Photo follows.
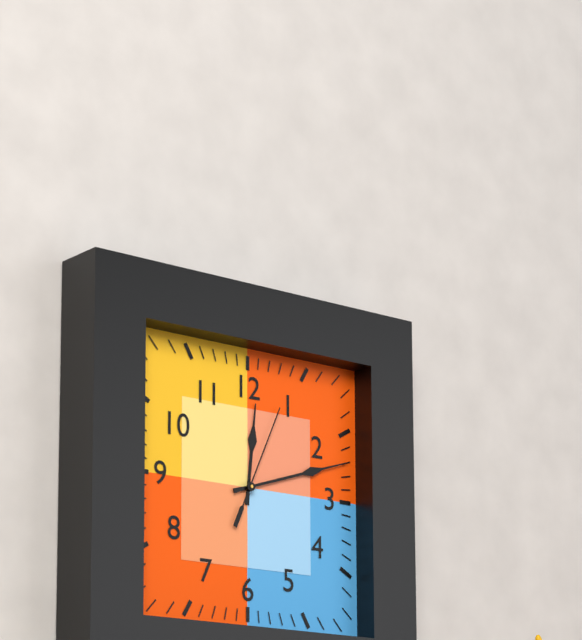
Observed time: 12h12m04s
